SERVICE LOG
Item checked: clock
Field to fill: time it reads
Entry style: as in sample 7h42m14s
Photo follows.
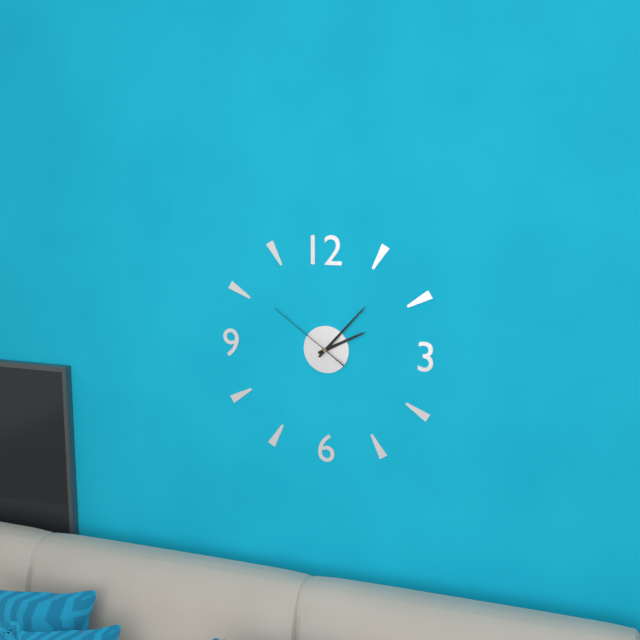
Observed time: 2h07m51s
